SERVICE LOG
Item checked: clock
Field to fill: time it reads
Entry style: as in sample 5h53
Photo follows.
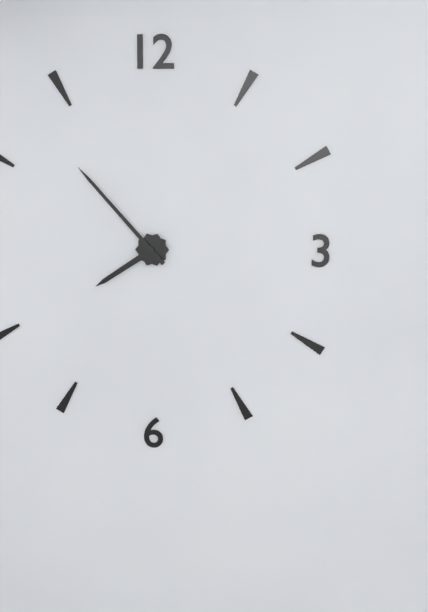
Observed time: 7h53
